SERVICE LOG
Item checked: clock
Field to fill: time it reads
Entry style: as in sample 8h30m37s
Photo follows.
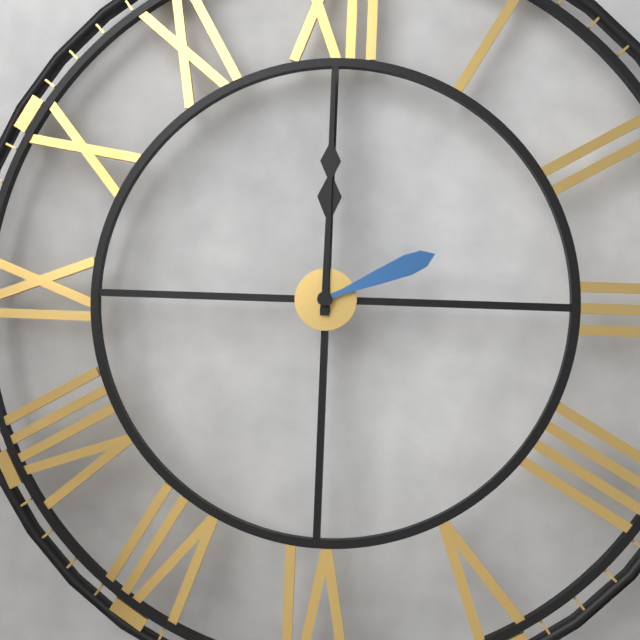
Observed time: 12h00m11s
